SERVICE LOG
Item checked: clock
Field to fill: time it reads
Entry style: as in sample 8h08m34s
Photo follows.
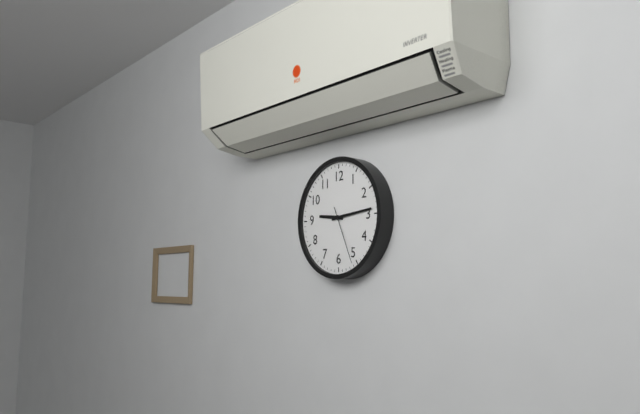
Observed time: 9h14m26s
